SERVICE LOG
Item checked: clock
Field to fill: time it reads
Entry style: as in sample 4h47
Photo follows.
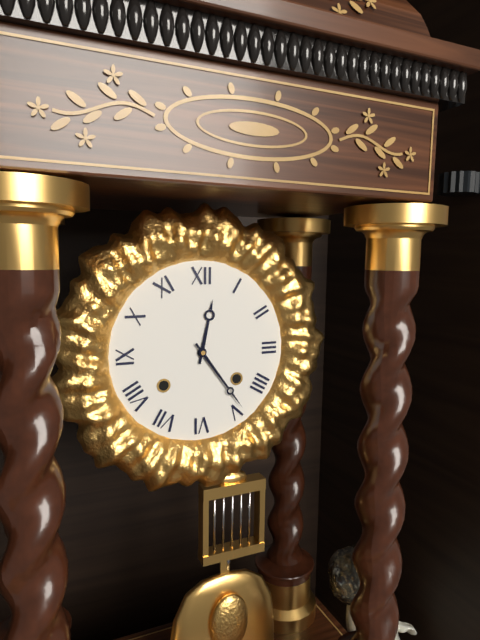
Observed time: 12h24
